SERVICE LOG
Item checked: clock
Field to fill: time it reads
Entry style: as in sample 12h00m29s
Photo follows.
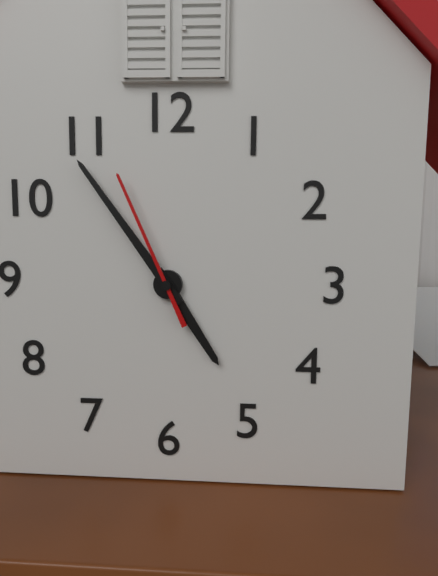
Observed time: 4h54m56s
